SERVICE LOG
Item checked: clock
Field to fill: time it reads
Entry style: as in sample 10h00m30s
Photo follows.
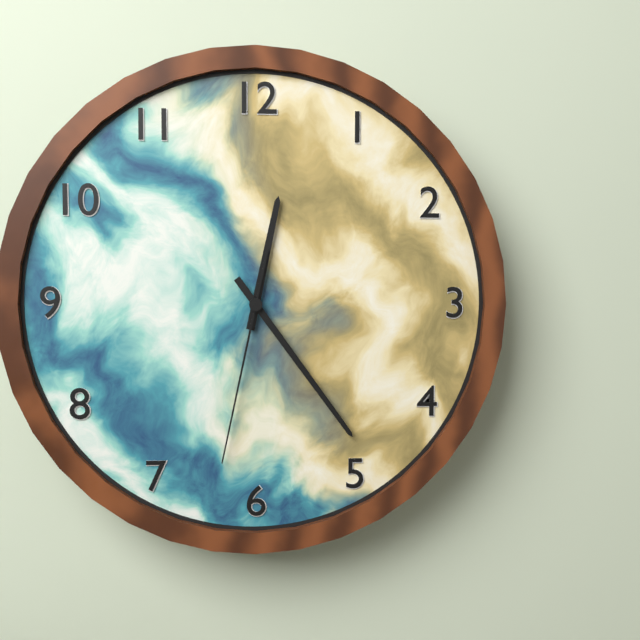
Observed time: 12h24m32s
